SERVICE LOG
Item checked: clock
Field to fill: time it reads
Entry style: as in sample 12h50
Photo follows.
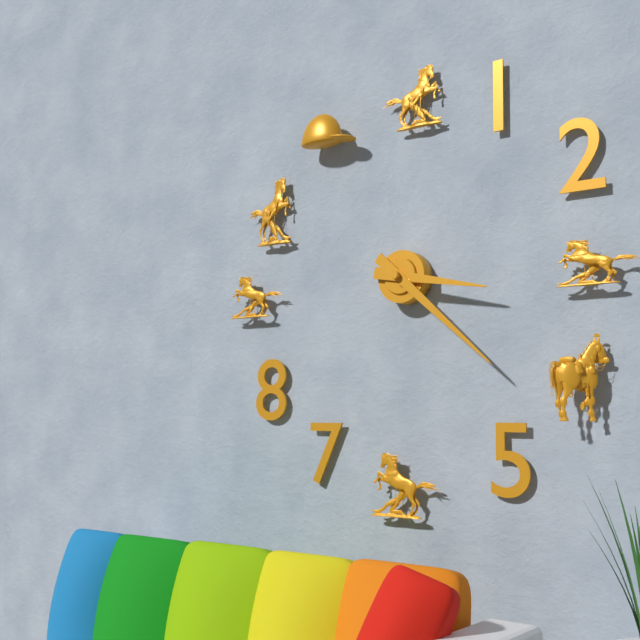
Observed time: 3h22
